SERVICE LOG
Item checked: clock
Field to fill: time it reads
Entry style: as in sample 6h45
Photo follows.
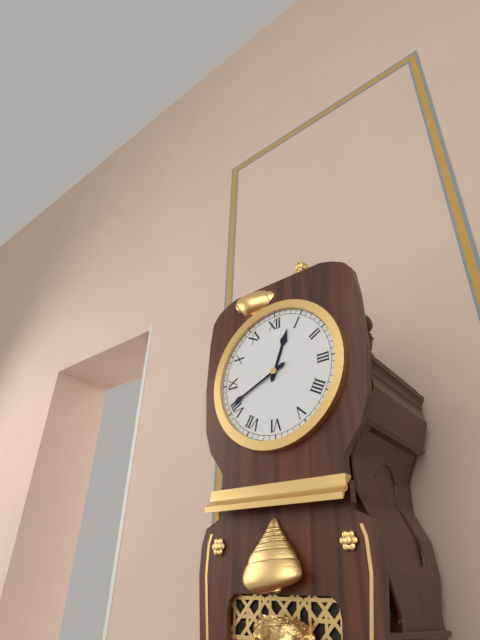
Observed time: 12h41
